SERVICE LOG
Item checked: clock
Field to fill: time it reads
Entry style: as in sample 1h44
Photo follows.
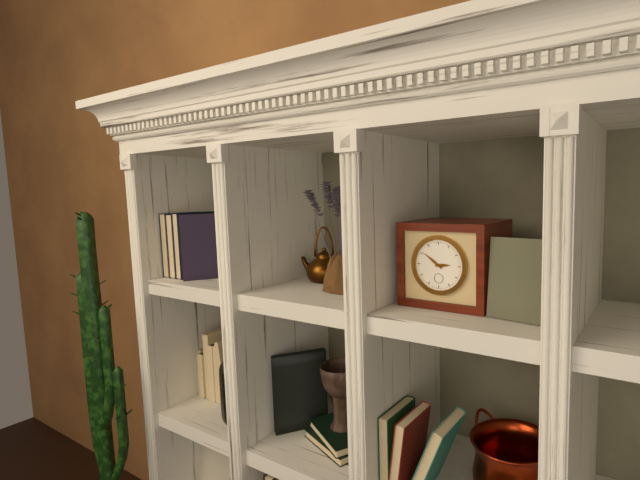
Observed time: 2h51
